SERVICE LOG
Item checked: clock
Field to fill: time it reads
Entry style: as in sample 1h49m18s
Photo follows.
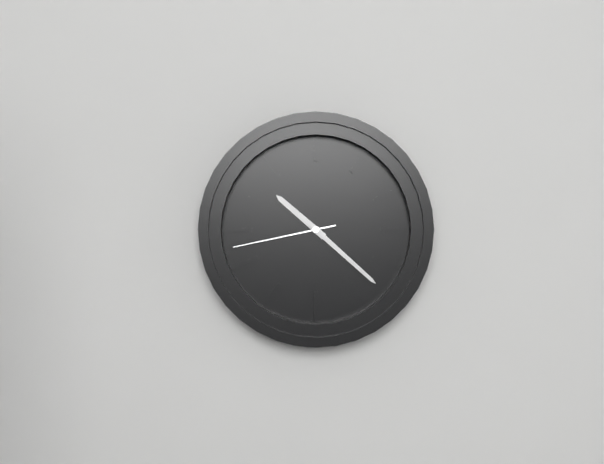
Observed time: 10h22m43s
